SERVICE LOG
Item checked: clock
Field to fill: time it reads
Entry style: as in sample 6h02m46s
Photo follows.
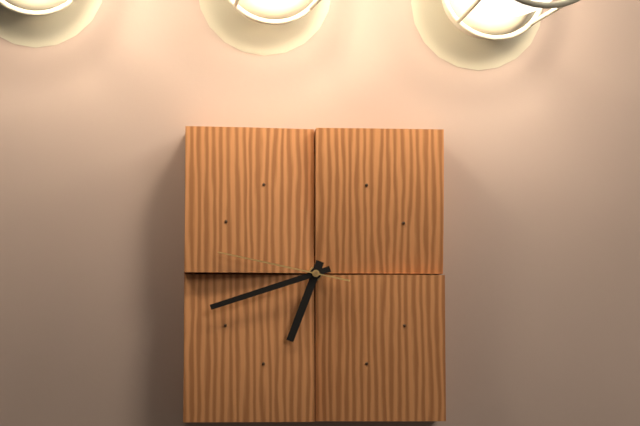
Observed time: 6h42m47s
